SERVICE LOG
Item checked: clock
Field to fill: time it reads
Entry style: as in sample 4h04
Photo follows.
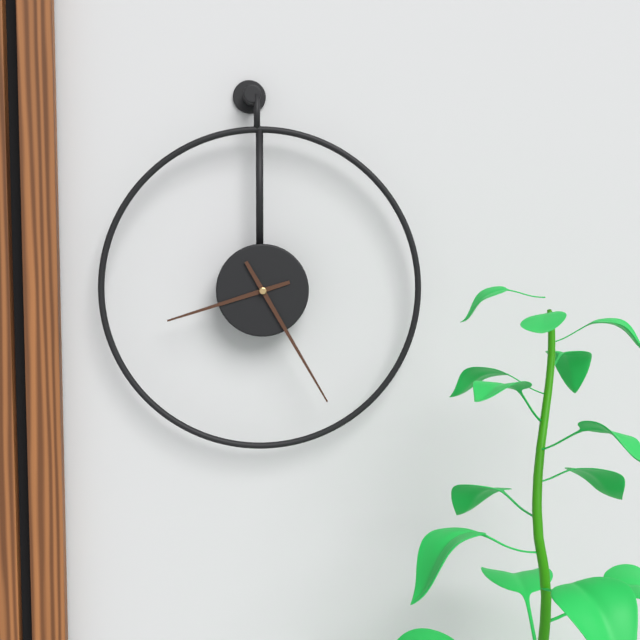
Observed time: 8h25
